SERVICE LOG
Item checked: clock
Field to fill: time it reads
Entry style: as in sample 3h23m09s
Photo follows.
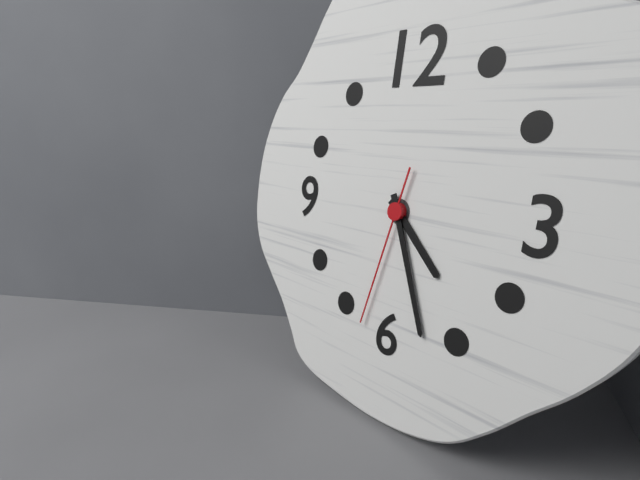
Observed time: 4h26m32s
